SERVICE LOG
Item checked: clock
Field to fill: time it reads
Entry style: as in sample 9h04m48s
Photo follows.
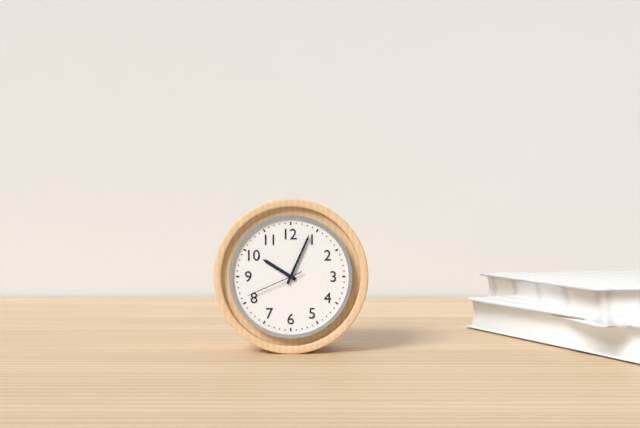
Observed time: 10h04m41s
